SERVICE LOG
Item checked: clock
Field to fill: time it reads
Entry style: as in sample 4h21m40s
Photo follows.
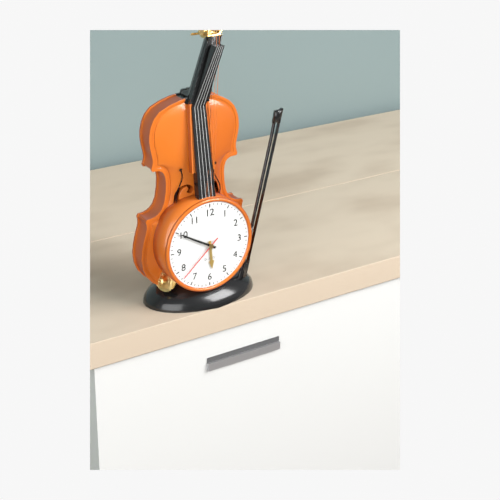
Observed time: 5h50m38s
